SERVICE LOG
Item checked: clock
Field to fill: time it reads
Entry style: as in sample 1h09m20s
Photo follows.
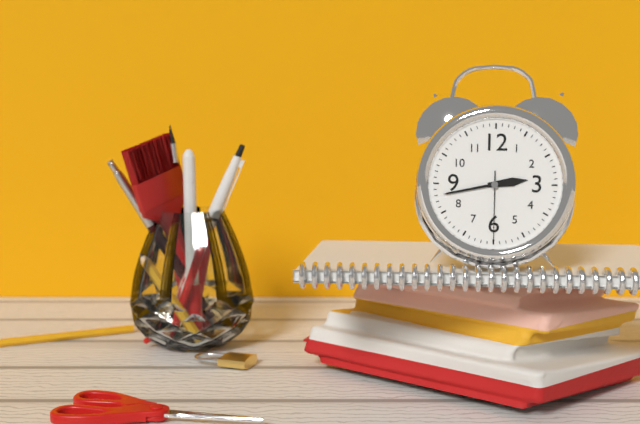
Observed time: 2h43m30s
